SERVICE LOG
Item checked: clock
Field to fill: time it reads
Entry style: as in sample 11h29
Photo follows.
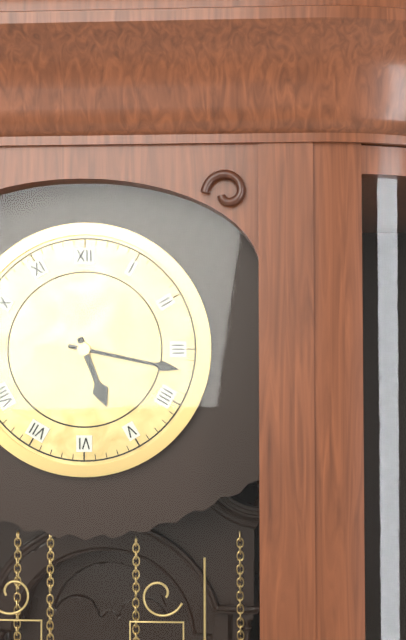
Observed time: 5h17
